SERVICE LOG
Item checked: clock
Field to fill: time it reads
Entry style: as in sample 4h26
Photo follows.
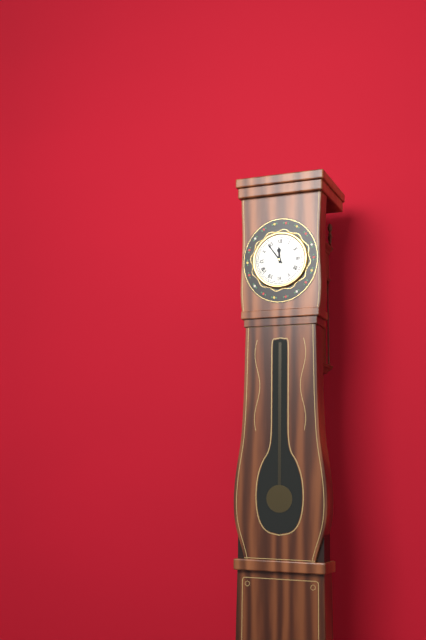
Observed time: 11h54
